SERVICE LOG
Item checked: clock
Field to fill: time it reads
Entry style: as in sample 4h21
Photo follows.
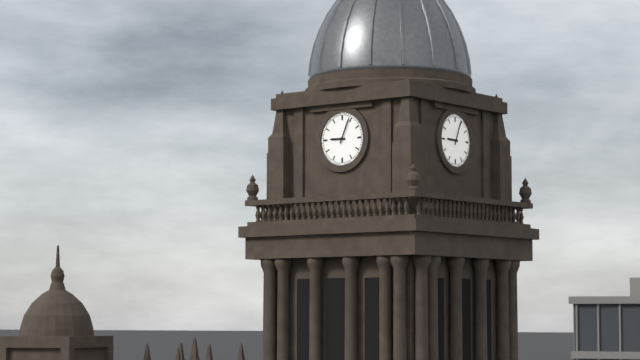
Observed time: 9h04
